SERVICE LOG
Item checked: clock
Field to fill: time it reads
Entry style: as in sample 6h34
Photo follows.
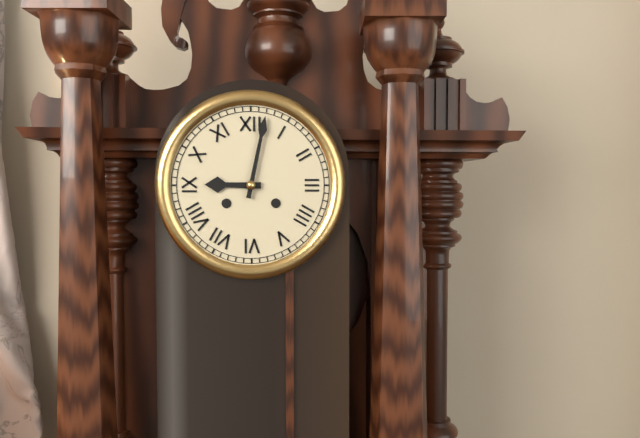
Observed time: 9h02
